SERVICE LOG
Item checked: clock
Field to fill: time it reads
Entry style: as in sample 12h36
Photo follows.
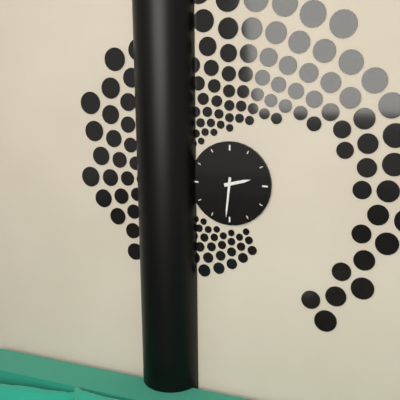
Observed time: 2h31
